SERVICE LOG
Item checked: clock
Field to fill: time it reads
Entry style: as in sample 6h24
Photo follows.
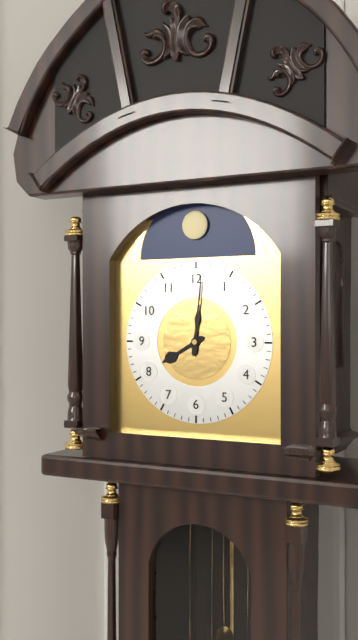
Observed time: 8h01
